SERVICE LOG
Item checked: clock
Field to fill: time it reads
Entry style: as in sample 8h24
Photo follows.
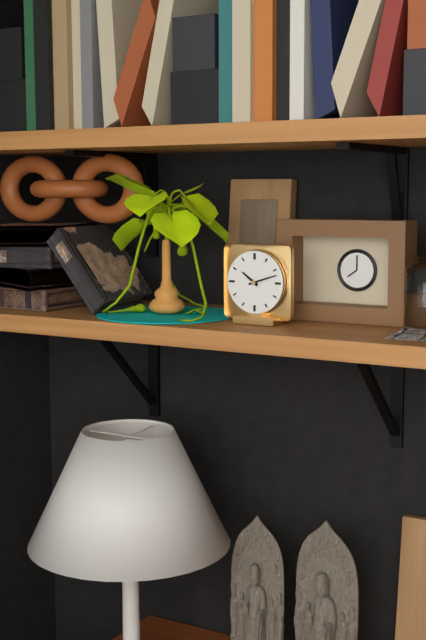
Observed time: 10h12
